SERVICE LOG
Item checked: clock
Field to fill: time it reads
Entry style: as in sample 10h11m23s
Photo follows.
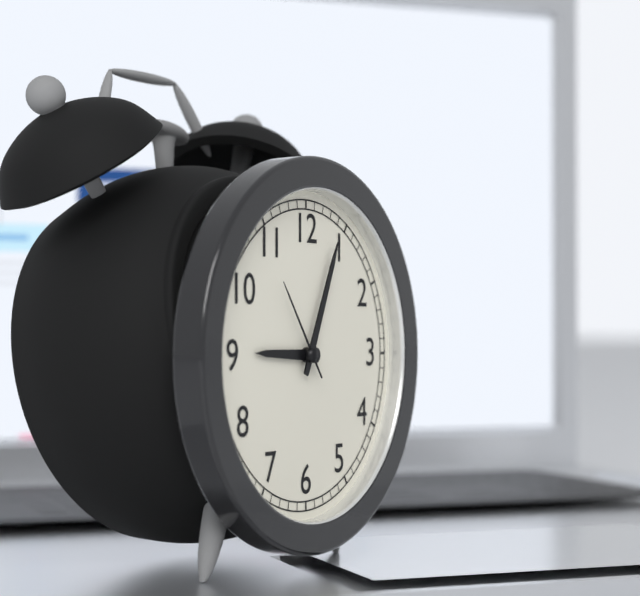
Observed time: 9h04m54s
